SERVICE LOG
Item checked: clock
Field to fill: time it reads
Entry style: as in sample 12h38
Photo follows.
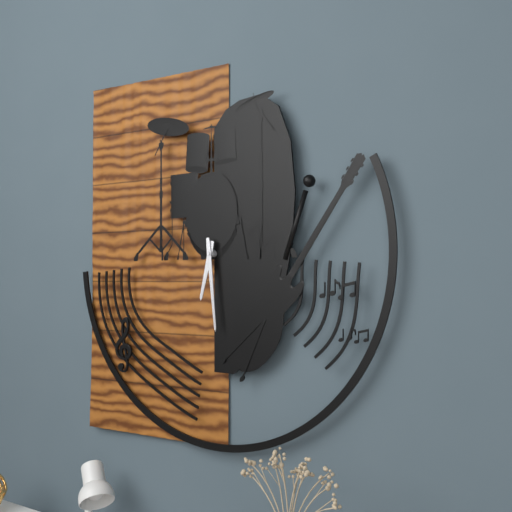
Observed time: 6h29
